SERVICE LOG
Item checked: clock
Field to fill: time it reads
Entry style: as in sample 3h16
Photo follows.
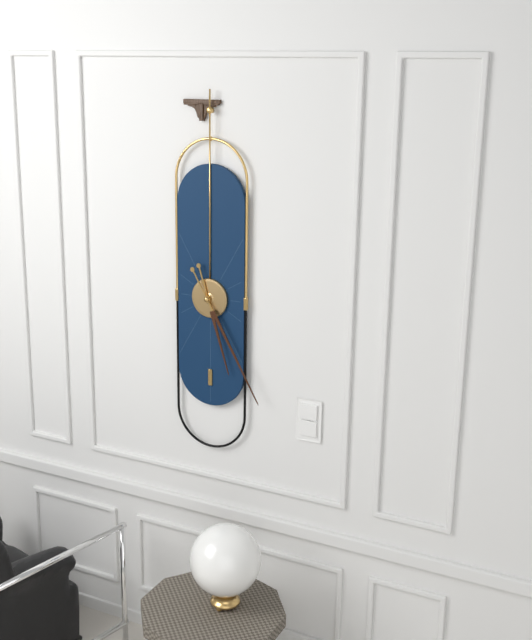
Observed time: 5h25
